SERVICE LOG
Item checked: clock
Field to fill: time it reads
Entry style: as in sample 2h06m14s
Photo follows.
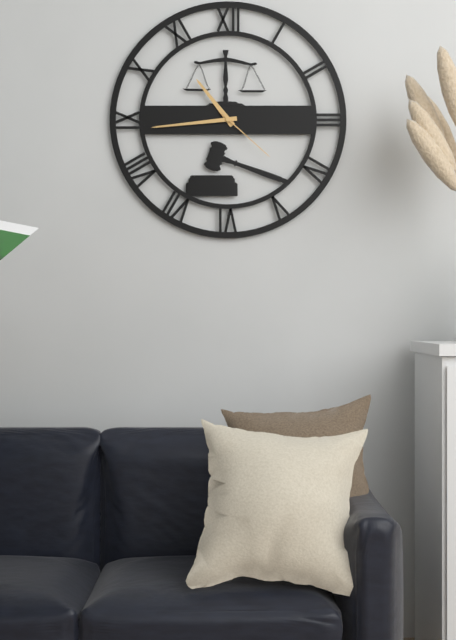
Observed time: 10h44m22s
